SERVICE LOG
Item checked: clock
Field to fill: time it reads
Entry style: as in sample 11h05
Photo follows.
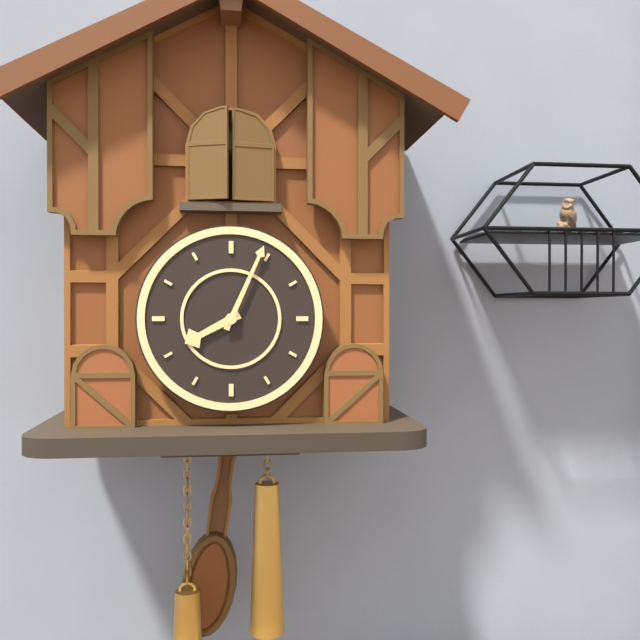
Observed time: 8h04
